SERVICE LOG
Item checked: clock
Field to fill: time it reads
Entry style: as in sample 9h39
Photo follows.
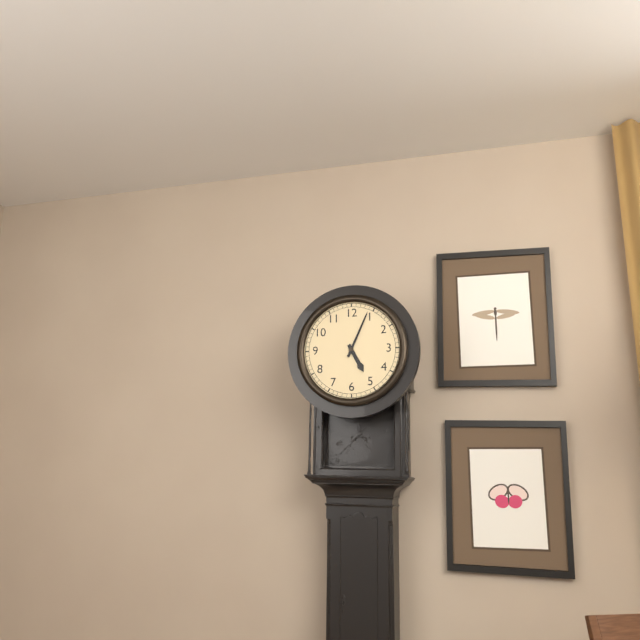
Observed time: 5h04
